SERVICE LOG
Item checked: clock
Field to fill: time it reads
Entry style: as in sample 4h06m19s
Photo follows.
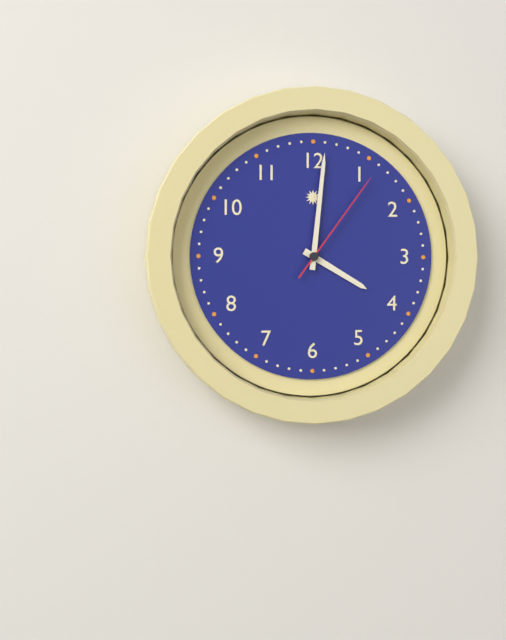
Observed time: 4h01m06s
